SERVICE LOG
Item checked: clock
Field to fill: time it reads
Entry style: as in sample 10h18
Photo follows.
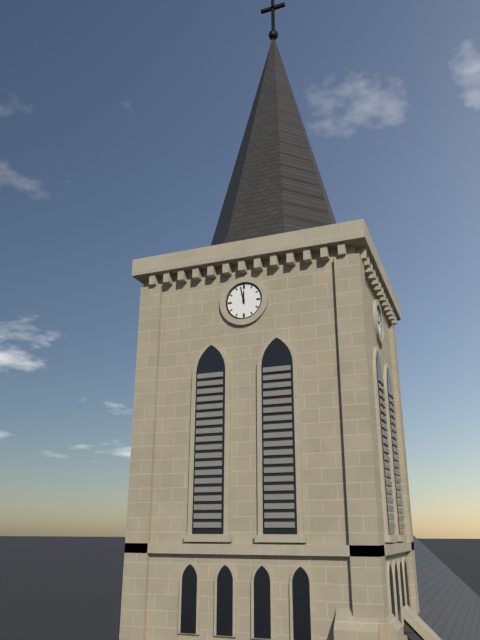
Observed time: 11h58
